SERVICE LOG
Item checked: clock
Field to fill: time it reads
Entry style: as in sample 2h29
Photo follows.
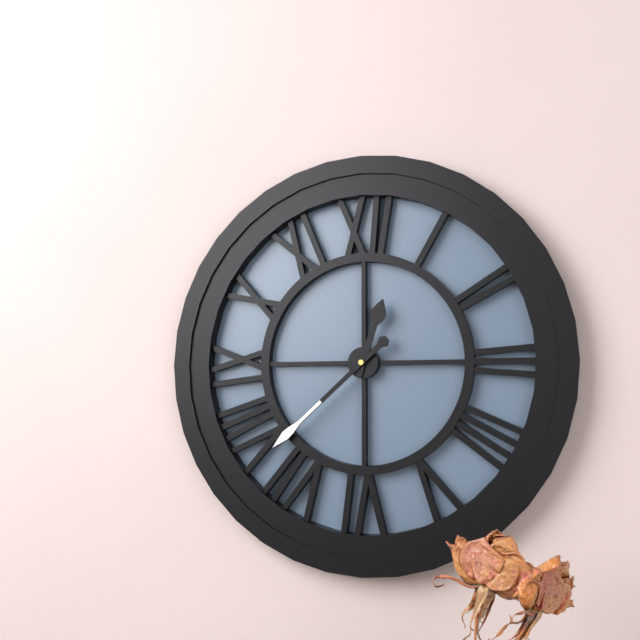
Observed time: 12h38
